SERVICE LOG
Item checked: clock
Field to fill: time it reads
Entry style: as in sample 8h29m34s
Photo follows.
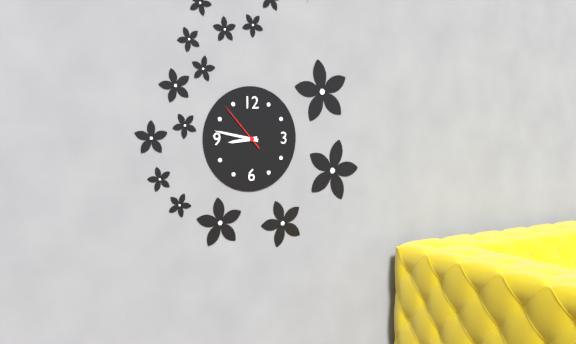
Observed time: 8h47m53s
